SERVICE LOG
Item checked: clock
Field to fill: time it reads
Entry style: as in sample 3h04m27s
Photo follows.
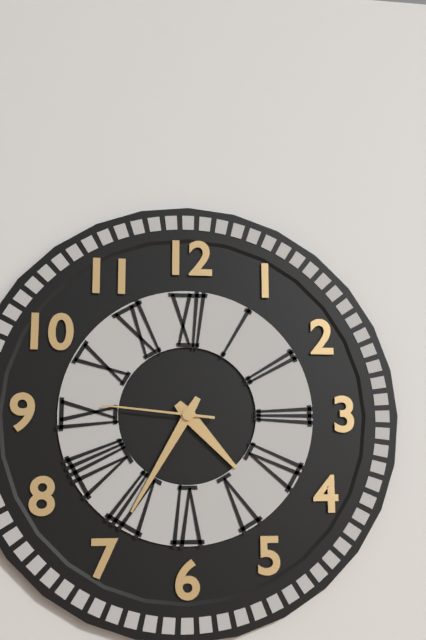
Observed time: 4h35m46s
